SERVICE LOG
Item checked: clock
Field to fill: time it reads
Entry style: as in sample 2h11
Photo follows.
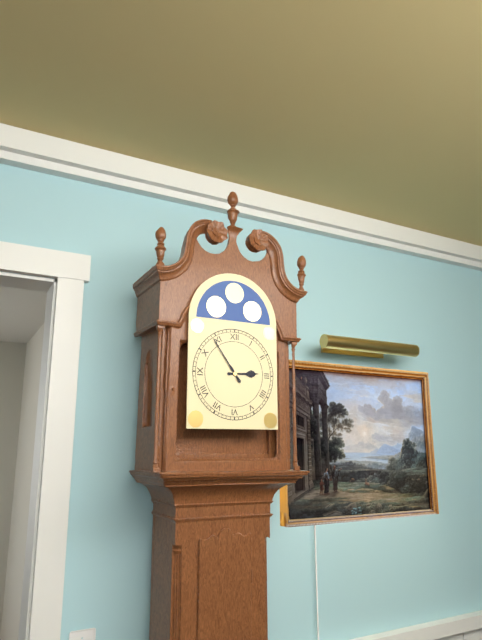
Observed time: 2h54
